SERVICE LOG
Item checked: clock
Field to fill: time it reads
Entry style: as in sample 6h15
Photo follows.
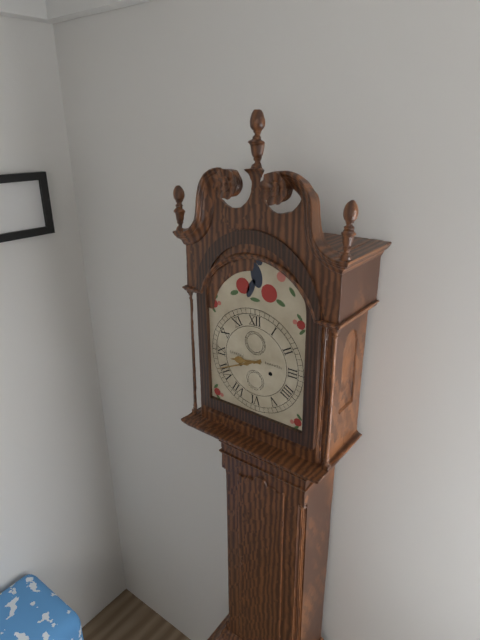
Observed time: 8h41
